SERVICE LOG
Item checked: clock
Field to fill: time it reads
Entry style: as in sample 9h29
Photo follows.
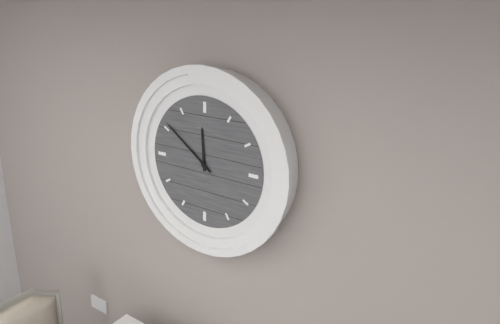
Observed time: 11h51
